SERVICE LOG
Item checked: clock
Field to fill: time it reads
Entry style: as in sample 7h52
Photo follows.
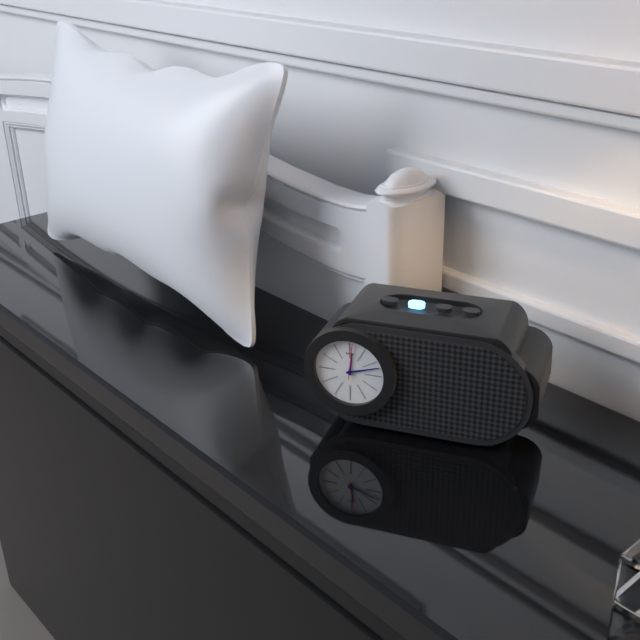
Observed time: 12h12
